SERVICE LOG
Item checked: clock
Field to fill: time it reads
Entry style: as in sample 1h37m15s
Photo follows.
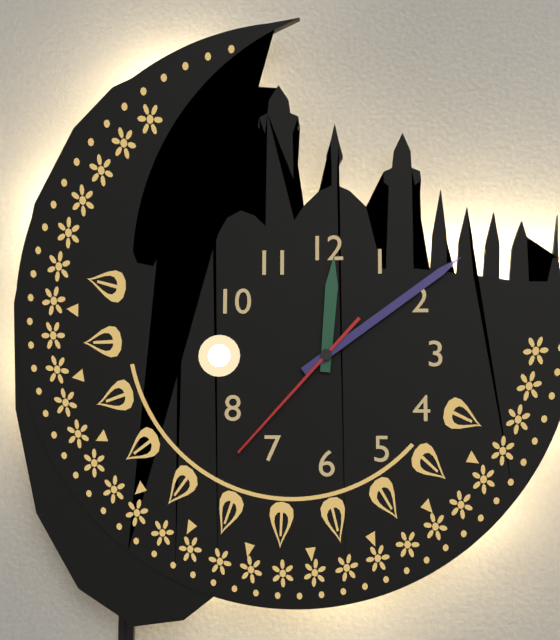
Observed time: 12h09m37s
